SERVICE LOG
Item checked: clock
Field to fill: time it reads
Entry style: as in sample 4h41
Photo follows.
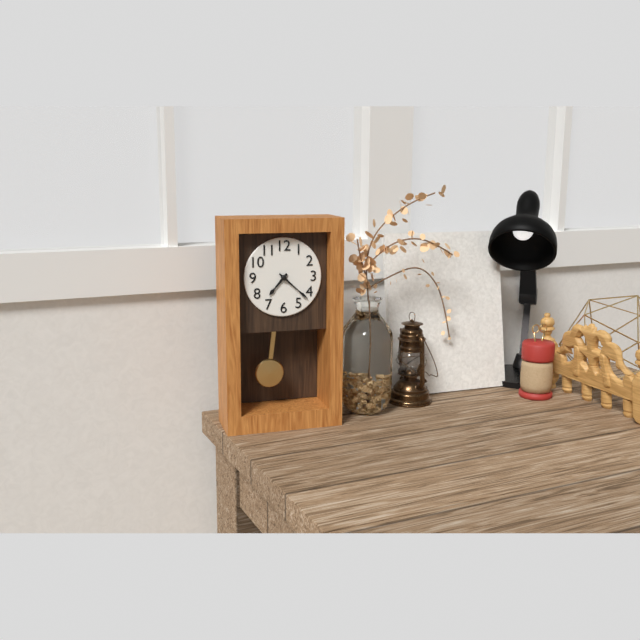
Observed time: 7h22
